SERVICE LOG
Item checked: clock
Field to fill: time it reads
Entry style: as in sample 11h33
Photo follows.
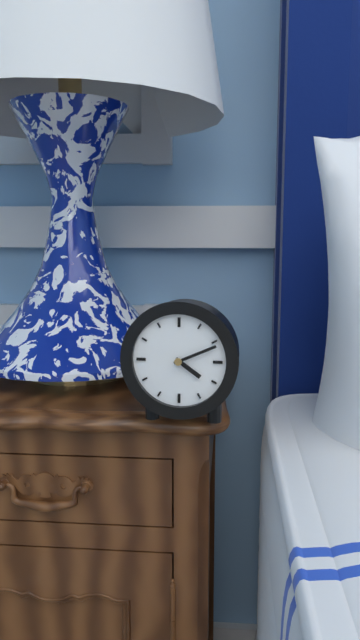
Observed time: 4h11
